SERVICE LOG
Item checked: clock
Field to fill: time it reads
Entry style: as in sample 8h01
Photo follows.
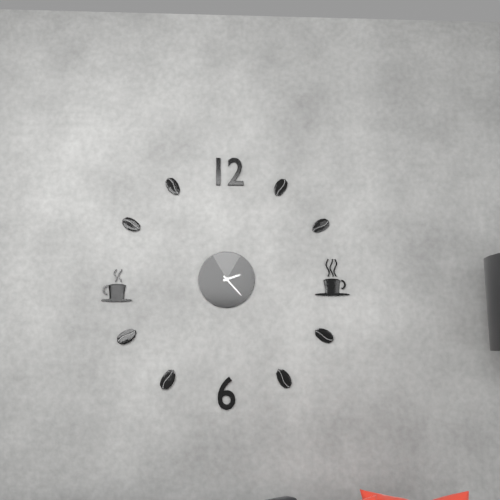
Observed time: 2h23
